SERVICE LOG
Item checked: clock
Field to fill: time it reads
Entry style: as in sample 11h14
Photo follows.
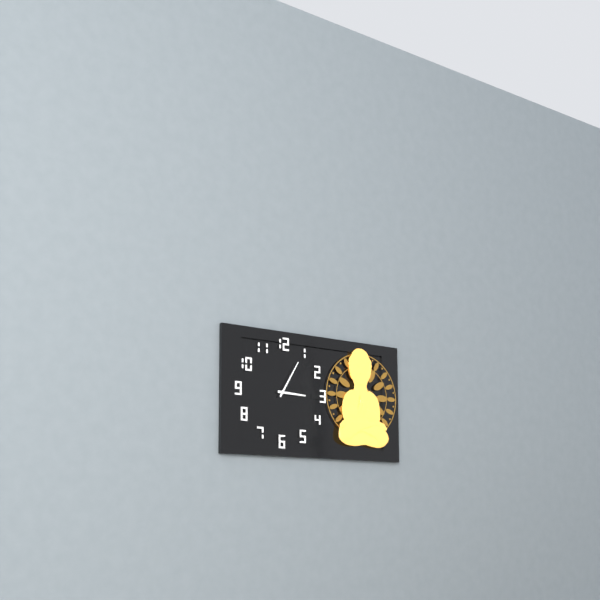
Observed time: 3h05
